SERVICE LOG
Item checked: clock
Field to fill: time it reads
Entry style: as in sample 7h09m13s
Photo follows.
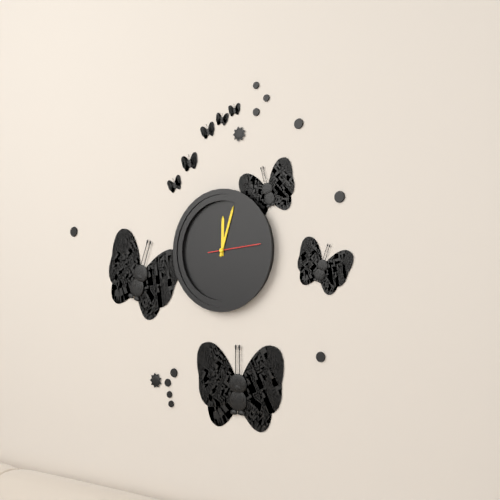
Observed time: 12h03m14s
